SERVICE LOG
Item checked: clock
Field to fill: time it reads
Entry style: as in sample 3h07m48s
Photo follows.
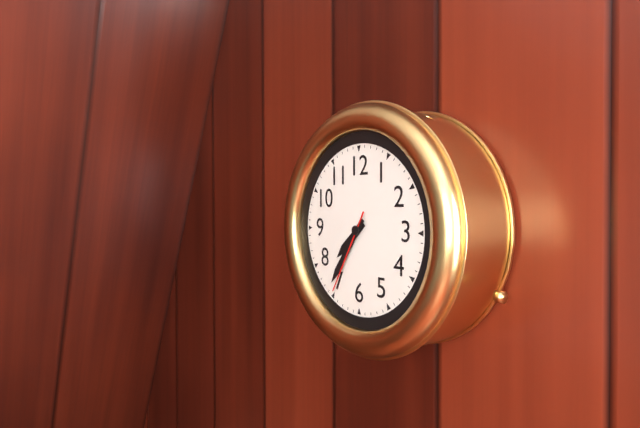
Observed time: 7h36m35s
